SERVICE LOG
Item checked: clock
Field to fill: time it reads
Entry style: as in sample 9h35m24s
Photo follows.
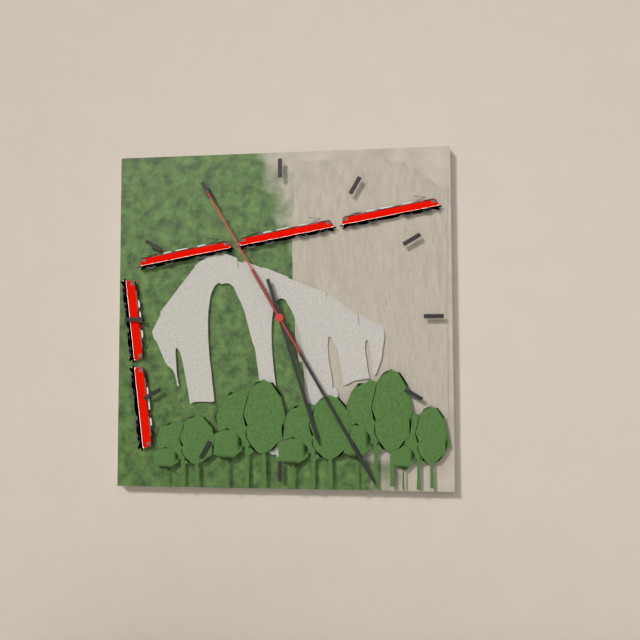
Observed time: 5h25m55s
